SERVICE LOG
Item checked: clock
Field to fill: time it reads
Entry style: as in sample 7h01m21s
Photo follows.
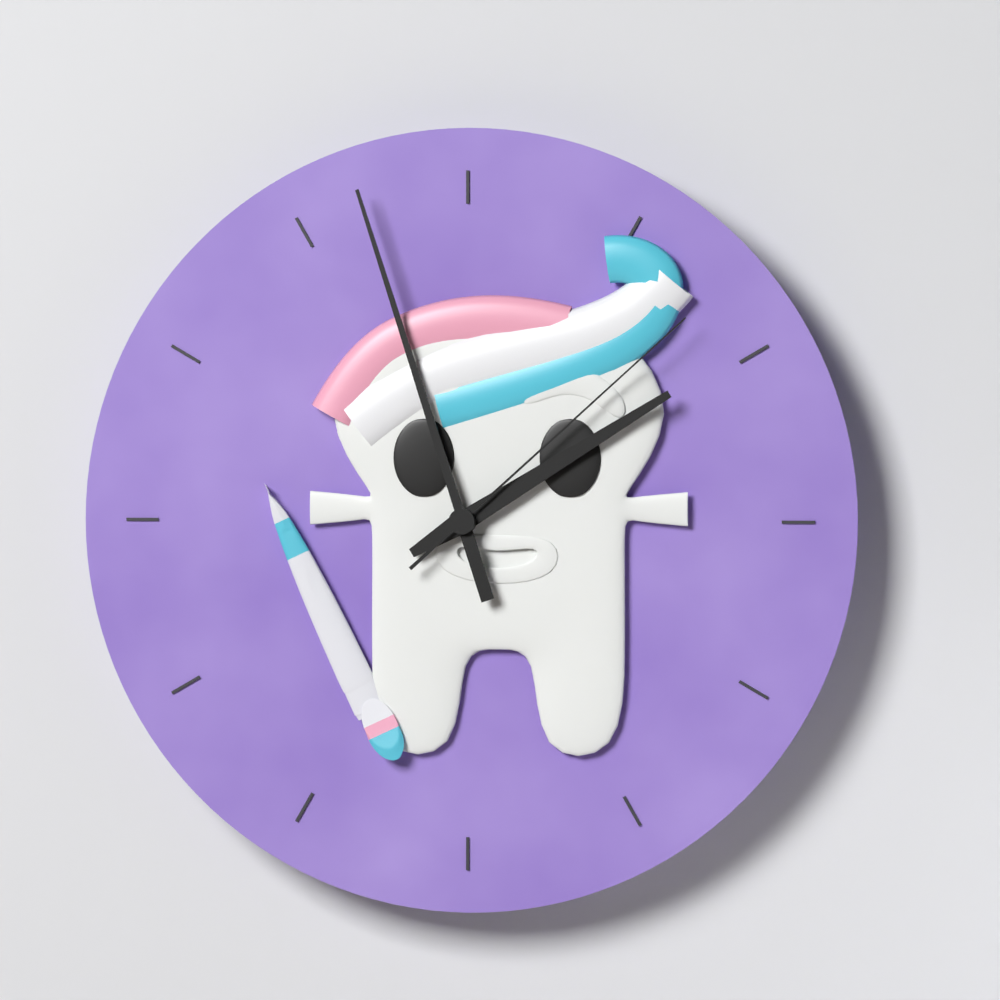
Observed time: 1h57m08s
